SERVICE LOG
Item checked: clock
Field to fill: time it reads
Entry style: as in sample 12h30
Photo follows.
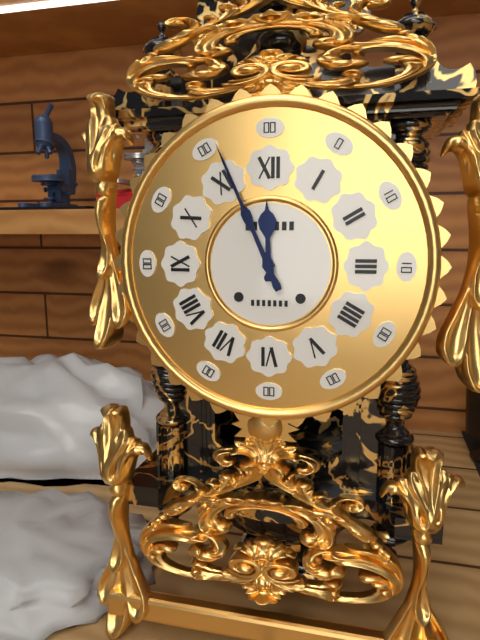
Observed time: 11h56
